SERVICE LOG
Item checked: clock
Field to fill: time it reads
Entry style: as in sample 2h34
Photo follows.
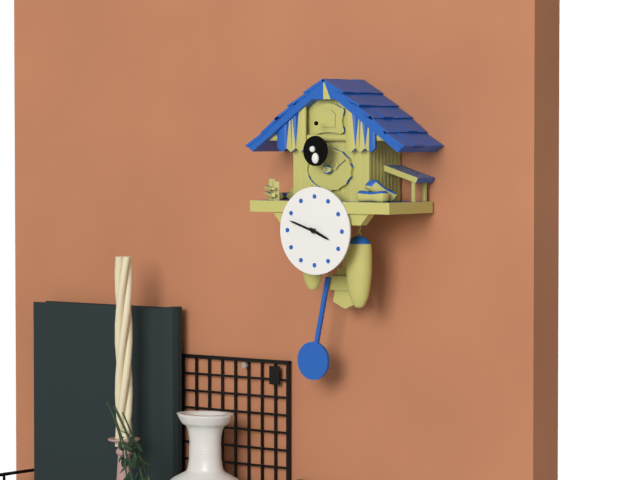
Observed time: 3h48
